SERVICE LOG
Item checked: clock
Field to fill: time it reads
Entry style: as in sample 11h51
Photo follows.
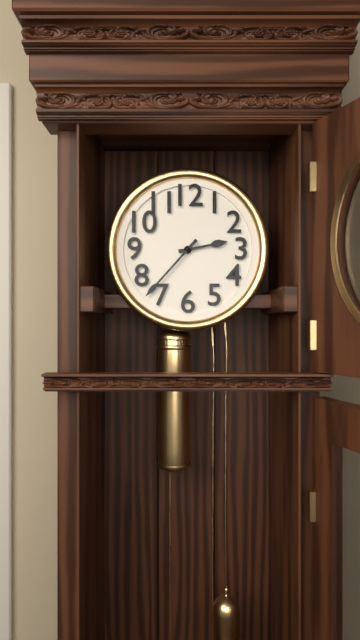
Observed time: 2h37
